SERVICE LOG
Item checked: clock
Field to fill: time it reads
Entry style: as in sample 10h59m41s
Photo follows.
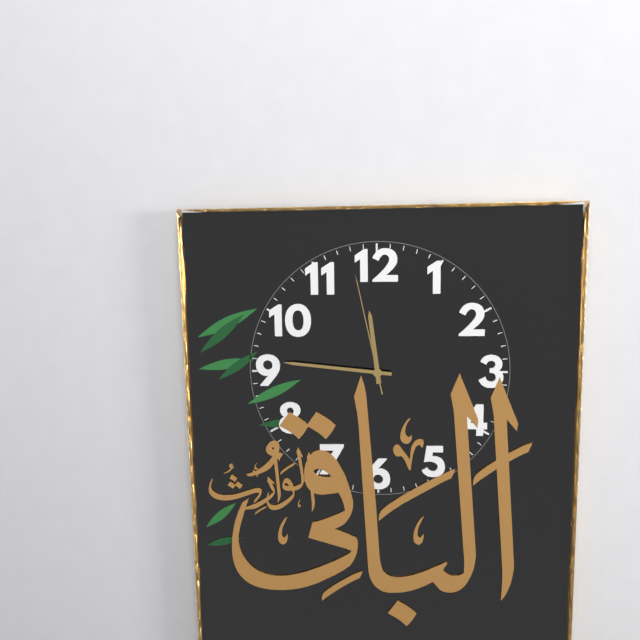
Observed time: 11h46m58s
